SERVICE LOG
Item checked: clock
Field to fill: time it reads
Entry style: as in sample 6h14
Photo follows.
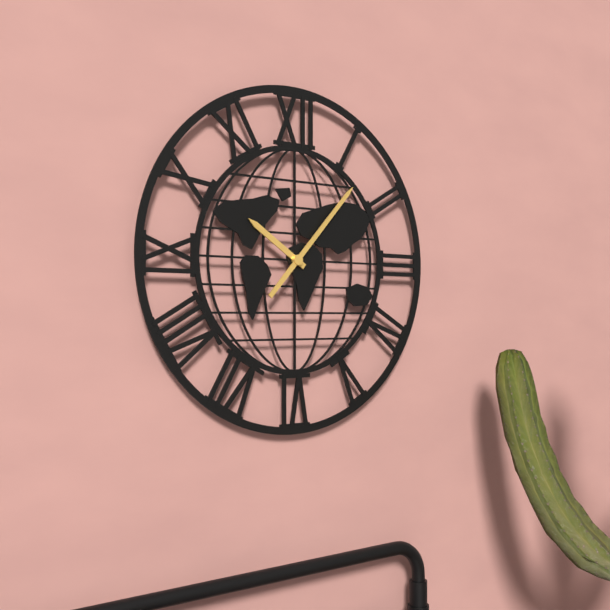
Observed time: 10h07
